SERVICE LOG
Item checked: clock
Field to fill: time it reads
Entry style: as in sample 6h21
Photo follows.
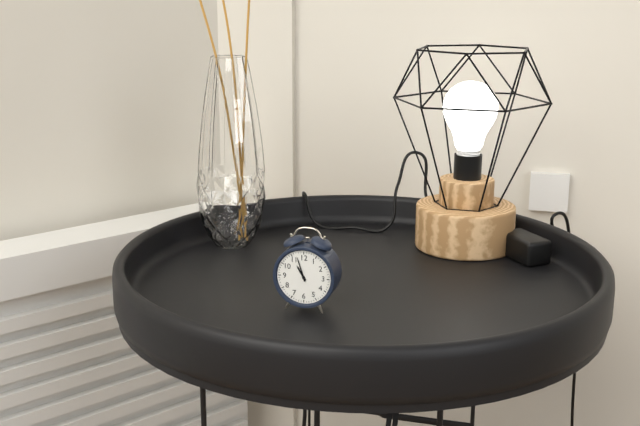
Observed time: 10h57
